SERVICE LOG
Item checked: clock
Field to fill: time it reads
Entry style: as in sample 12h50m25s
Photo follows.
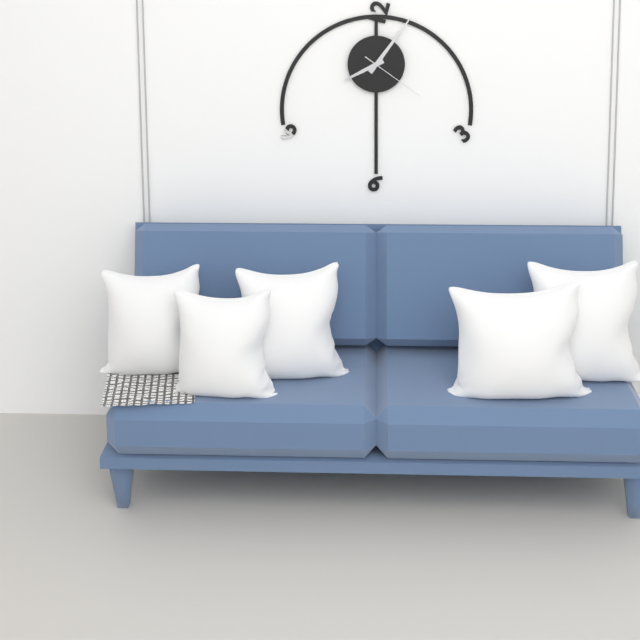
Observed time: 8h06m21s
